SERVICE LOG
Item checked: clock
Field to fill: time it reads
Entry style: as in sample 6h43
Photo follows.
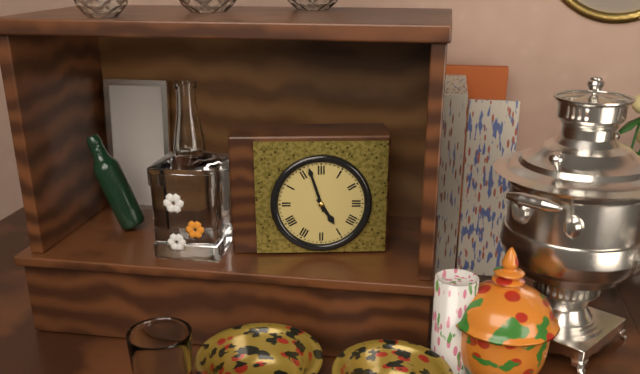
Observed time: 4h57
